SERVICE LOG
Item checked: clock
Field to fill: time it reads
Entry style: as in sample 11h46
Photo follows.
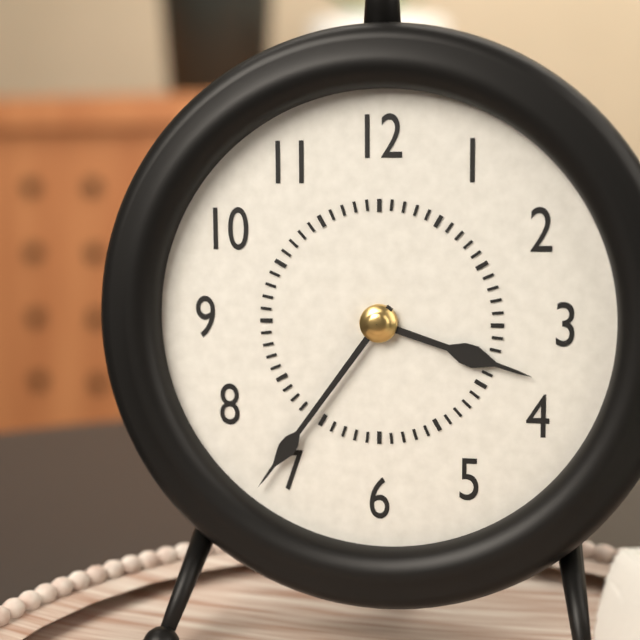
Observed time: 3h36
